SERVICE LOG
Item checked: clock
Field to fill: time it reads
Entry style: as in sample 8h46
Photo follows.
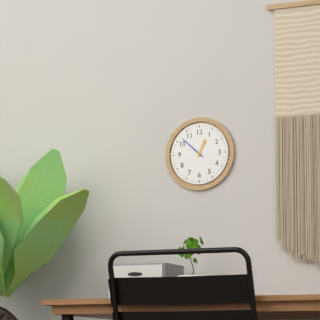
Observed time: 12h52
